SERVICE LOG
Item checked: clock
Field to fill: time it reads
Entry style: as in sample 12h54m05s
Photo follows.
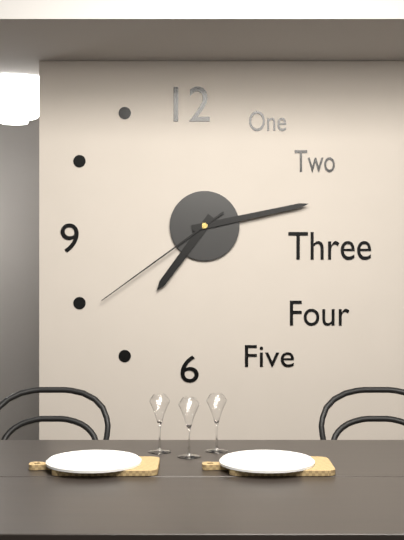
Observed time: 7h13m39s
